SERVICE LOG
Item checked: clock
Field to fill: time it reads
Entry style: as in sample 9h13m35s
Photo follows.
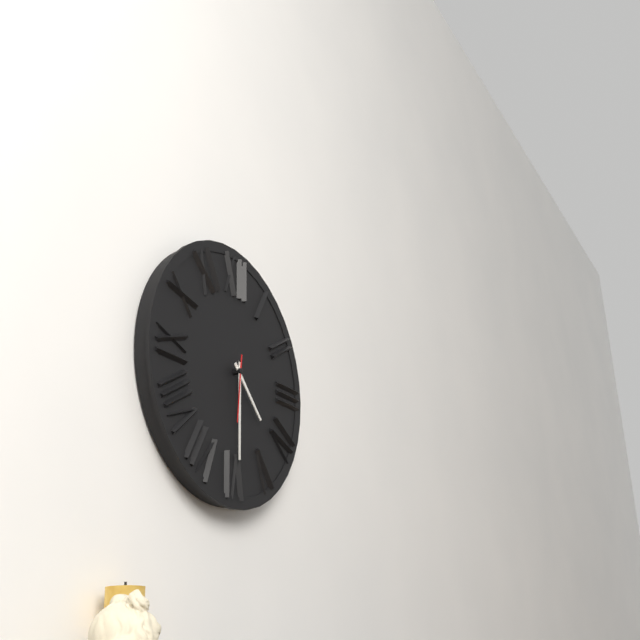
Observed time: 4h30m31s
